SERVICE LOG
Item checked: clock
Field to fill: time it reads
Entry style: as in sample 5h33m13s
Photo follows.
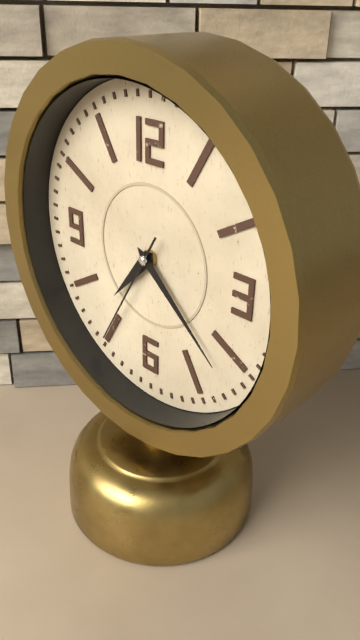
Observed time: 7h22m35s
